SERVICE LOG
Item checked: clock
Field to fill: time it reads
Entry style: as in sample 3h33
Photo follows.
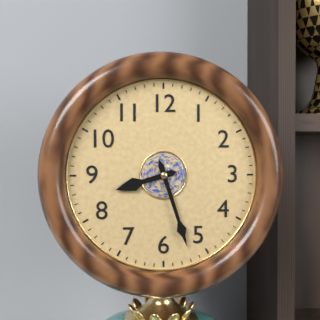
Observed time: 8h27
